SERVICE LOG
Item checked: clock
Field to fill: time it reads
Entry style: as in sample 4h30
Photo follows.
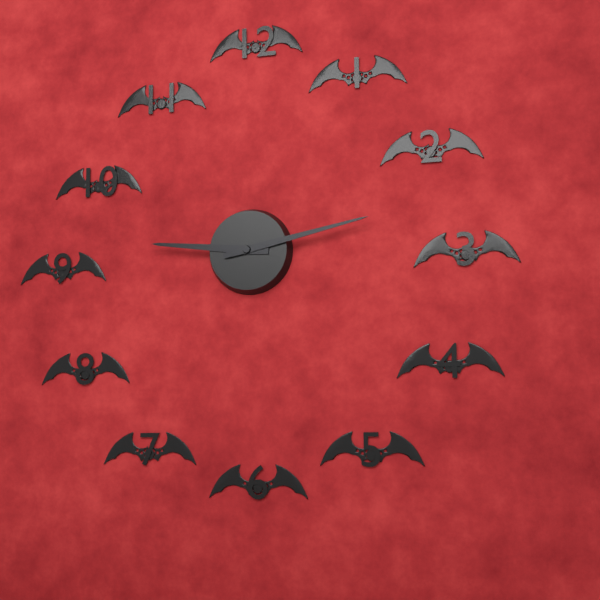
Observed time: 9h13
